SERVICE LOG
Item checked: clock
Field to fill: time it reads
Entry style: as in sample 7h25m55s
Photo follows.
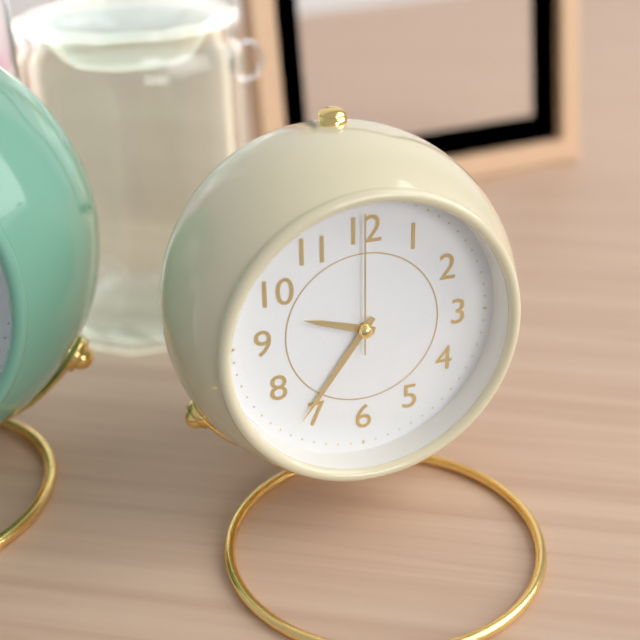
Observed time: 9h36m00s
